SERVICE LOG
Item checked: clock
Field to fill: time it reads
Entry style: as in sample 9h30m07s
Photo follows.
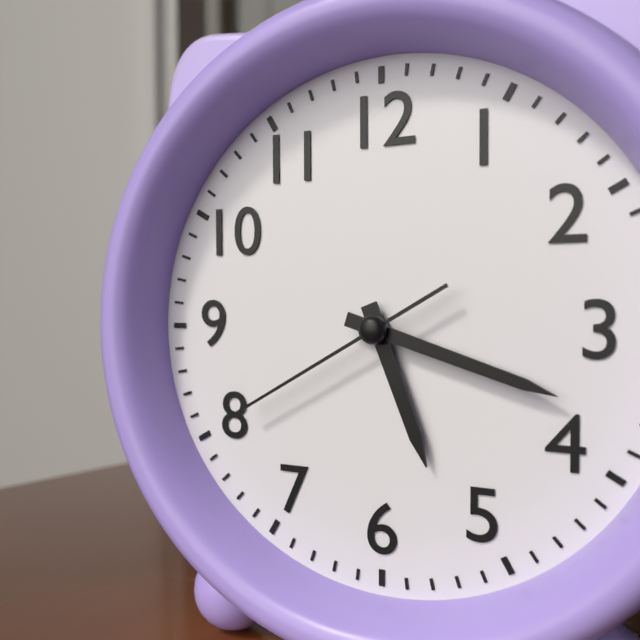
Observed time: 5h18m40s
